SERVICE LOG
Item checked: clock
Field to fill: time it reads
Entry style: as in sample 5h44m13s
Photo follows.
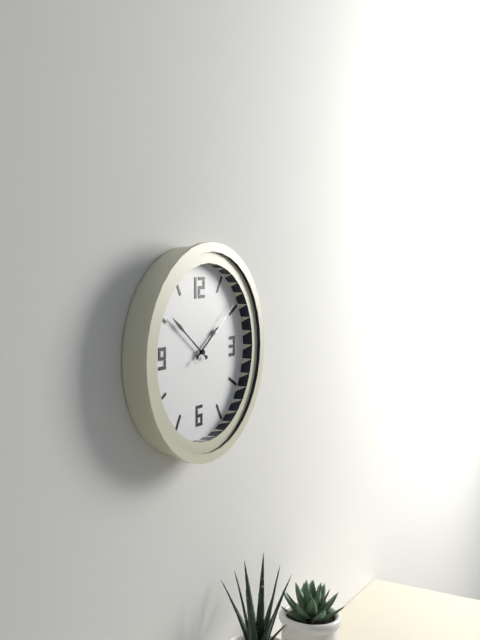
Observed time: 1h51m09s
